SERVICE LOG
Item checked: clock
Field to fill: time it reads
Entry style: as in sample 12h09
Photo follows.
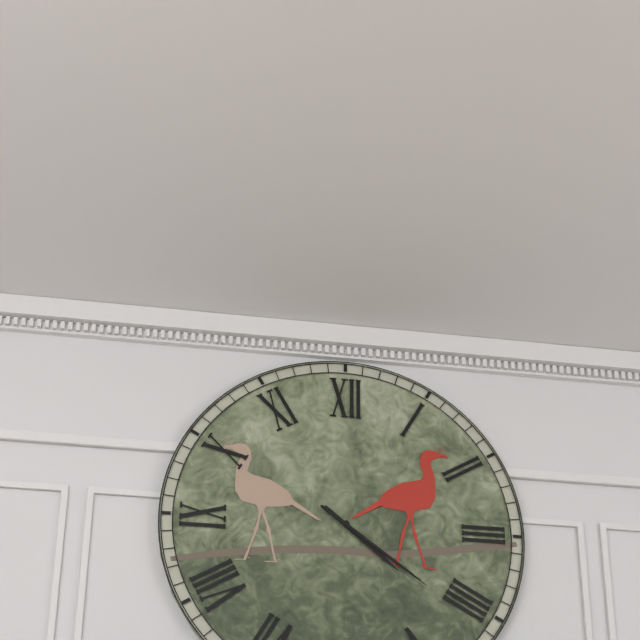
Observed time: 4h21
